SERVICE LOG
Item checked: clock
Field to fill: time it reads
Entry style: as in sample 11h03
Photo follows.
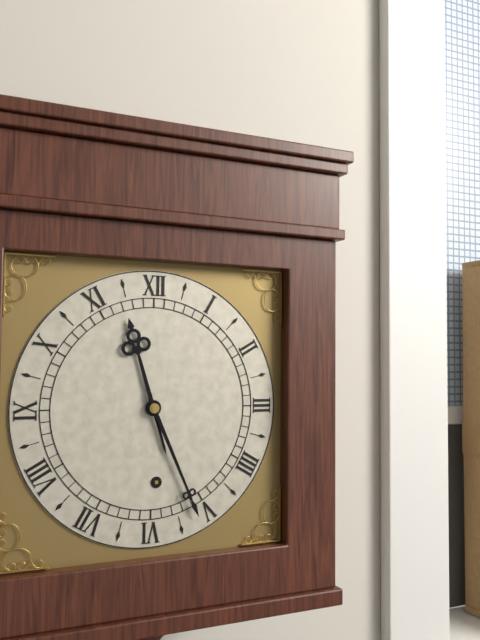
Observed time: 11h26
